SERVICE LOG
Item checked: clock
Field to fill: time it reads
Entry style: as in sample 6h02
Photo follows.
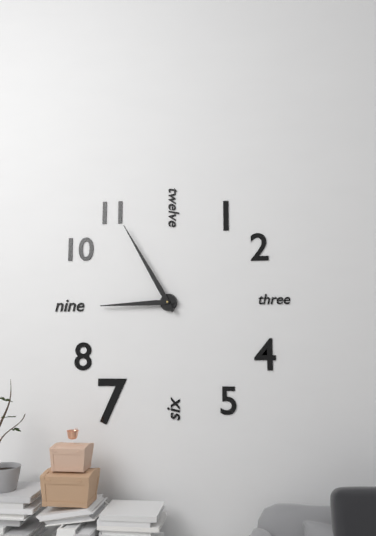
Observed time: 8h55
